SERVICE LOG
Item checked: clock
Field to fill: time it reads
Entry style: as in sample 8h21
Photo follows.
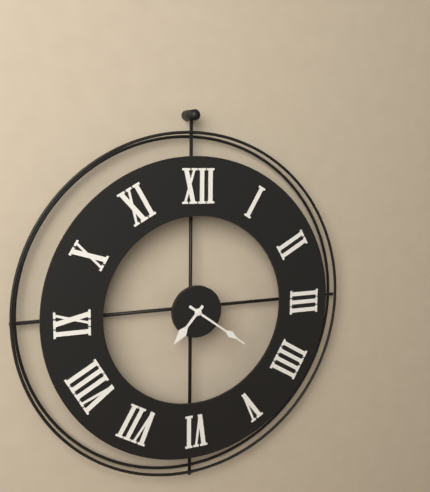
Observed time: 7h21
